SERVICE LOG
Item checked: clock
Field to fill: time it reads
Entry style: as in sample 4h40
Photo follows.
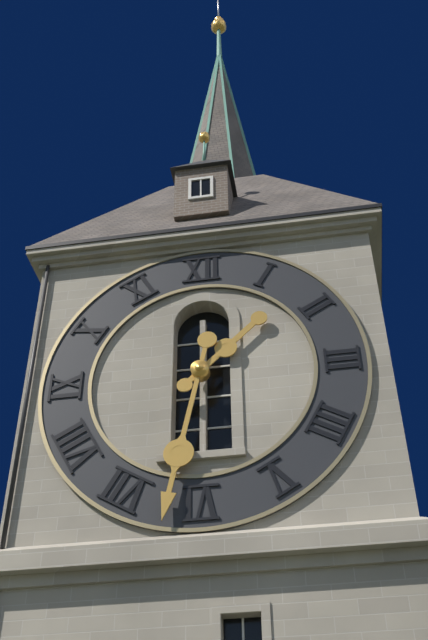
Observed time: 1h32
